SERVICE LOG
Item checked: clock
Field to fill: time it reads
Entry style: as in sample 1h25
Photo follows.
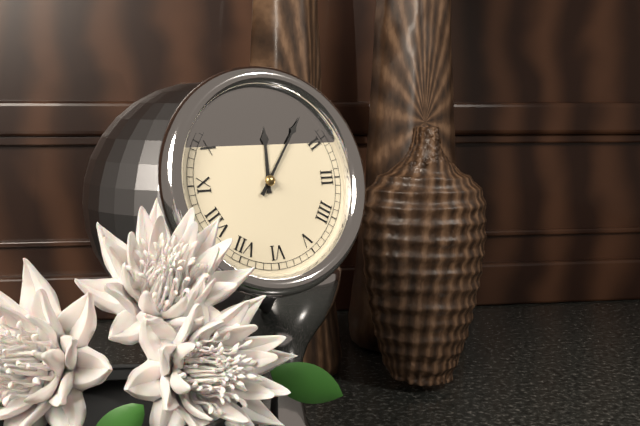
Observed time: 12h06
